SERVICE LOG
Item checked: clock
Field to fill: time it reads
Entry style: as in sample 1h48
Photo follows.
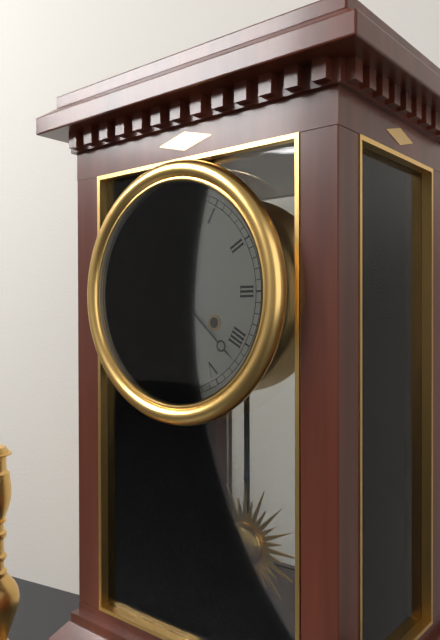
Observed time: 6h22
